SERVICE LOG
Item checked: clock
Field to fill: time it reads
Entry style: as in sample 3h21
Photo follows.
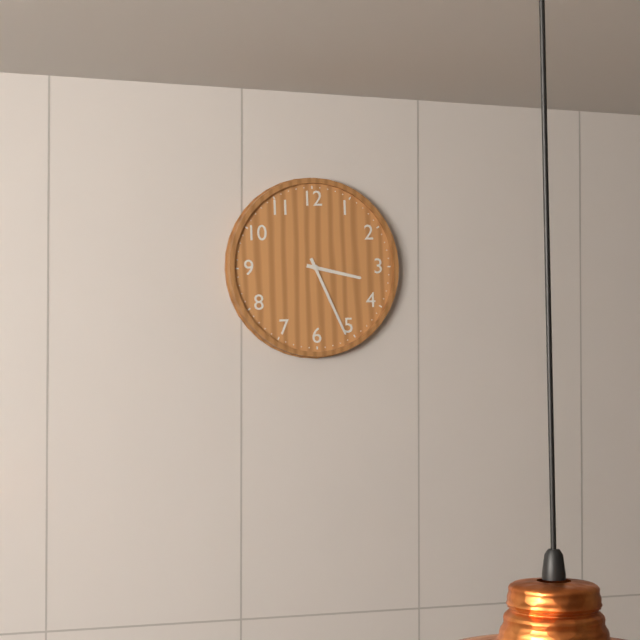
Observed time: 3h26
